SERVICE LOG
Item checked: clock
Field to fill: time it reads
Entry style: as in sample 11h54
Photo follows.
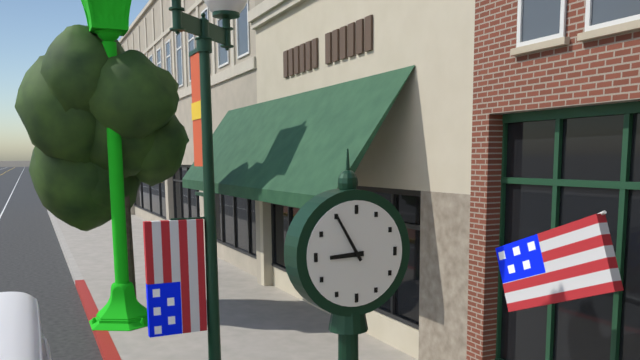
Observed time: 8h55
